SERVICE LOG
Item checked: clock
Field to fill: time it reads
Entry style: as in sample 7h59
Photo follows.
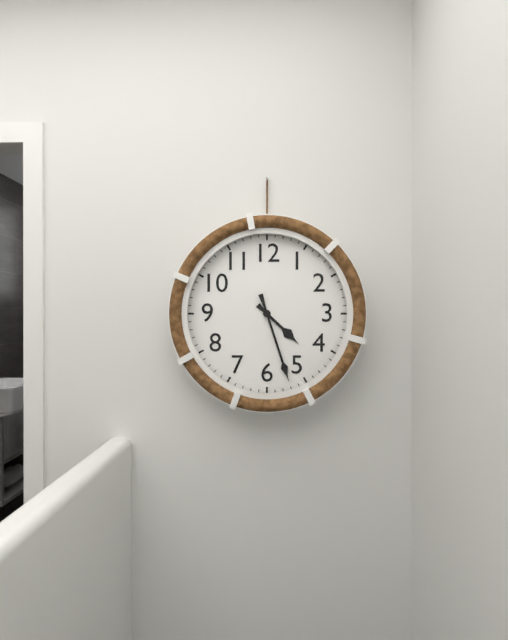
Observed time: 4h27
